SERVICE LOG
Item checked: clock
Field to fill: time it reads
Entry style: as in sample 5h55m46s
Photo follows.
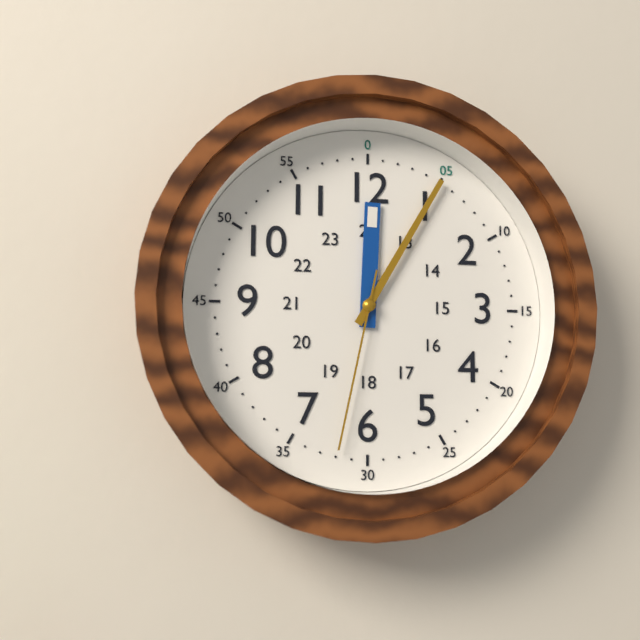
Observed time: 12h05m32s
